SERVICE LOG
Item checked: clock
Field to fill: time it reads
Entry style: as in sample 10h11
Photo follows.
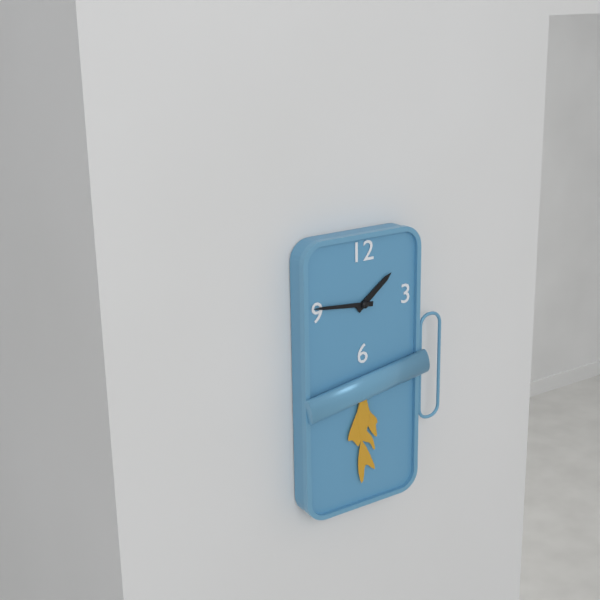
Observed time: 1h46
